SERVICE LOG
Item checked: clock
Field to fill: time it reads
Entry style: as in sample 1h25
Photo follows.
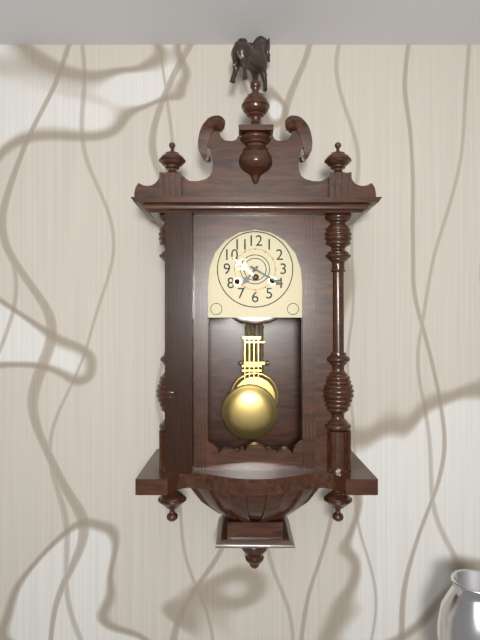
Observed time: 7h20
